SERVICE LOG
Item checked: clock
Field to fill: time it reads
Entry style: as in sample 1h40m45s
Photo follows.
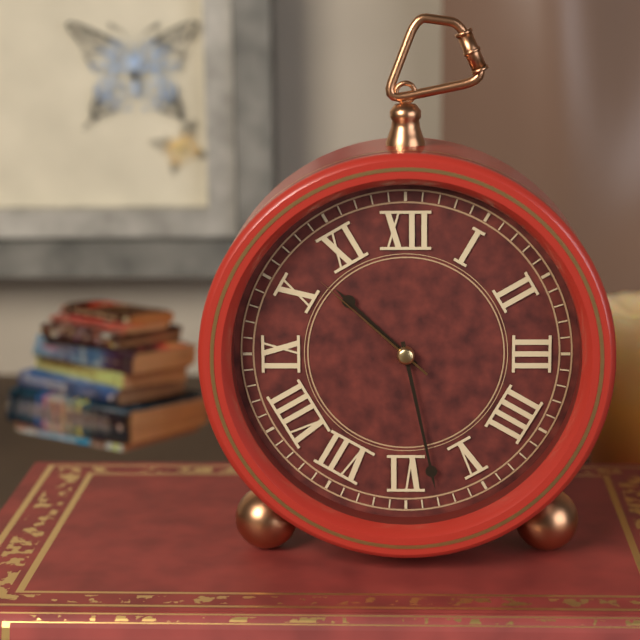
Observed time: 10h28m52s
